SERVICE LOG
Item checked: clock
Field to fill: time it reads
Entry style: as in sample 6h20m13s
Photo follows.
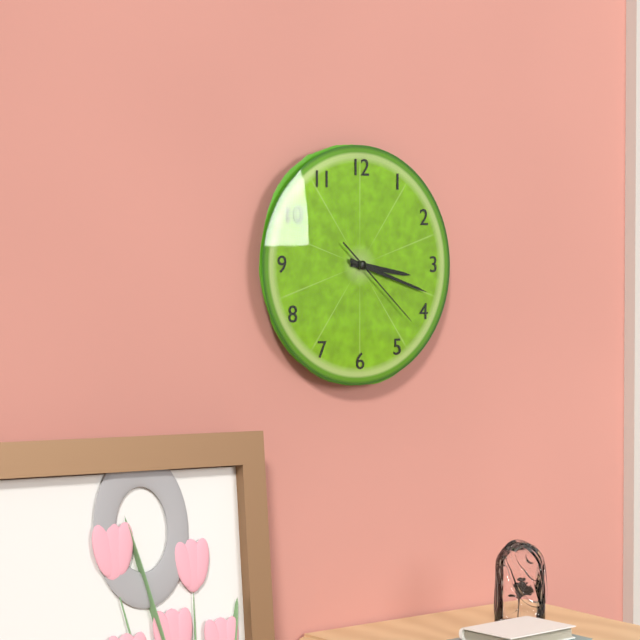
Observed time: 3h18m22s
